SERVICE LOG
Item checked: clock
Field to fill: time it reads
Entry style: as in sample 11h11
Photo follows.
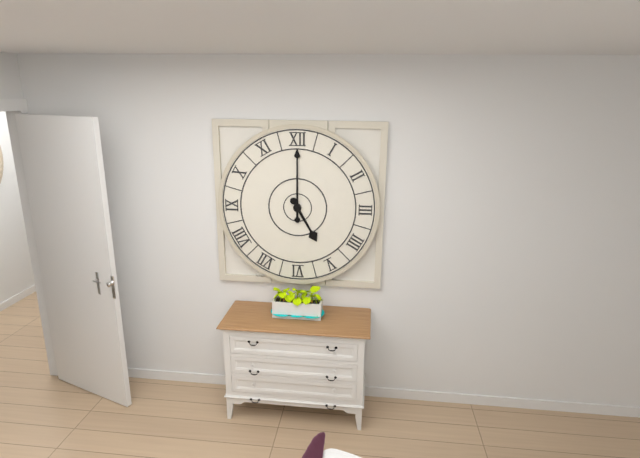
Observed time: 5h00
